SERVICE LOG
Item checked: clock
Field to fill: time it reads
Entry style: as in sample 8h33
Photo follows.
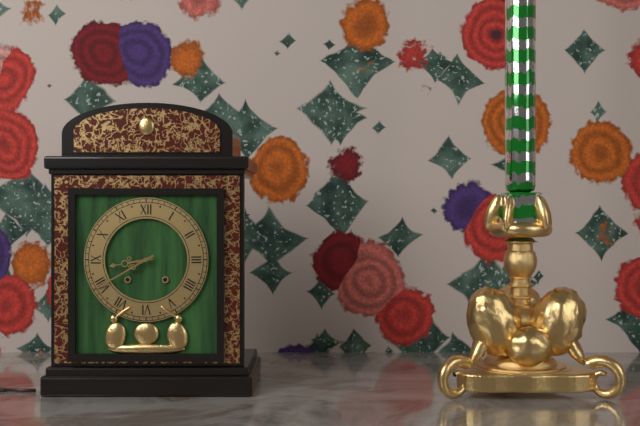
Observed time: 8h40
